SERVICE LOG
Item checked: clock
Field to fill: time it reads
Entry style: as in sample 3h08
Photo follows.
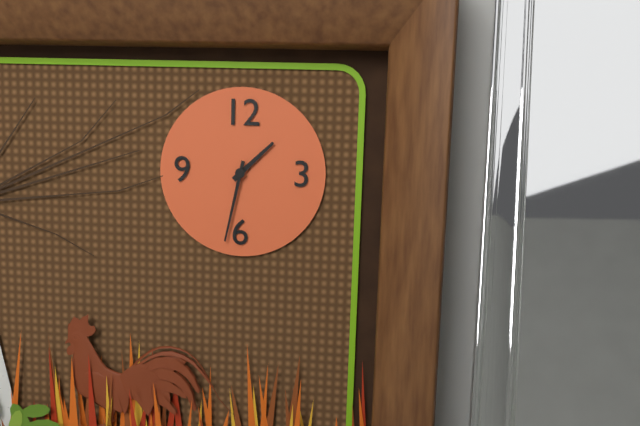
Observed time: 1h32
